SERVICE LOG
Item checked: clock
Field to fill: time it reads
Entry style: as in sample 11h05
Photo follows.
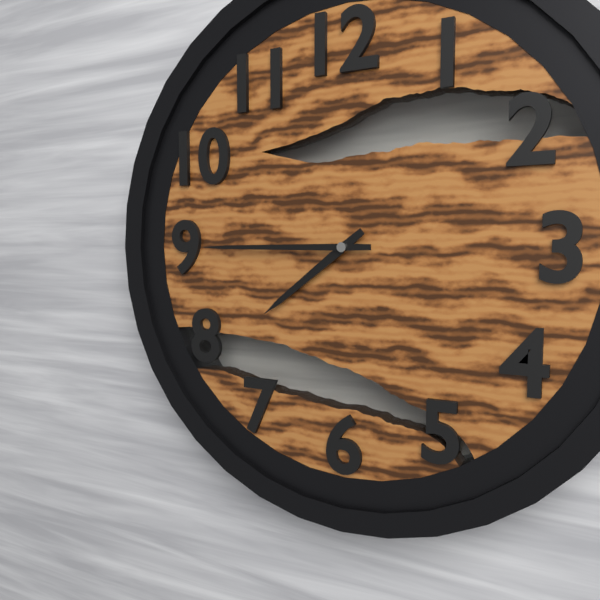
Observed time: 7h45
